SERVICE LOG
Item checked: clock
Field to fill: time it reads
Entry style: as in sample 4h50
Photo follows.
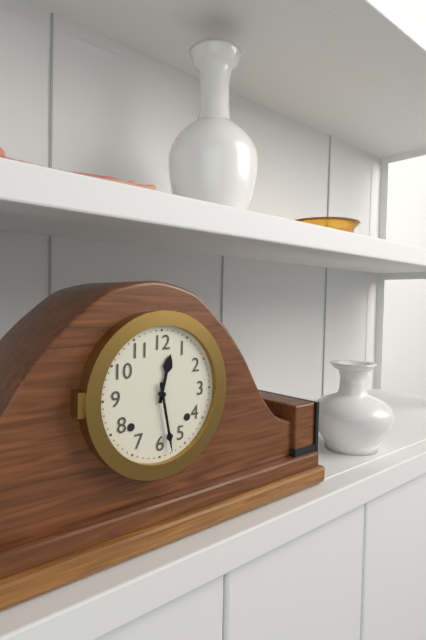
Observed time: 12h28
